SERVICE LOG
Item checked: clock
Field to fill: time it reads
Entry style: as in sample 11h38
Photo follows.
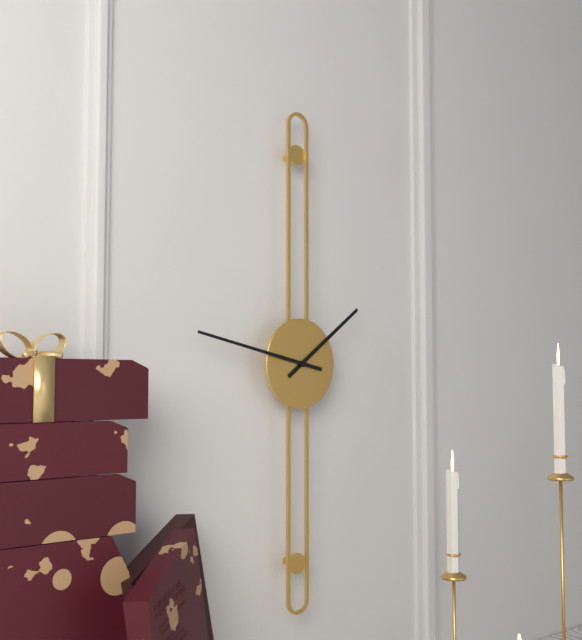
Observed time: 1h47
